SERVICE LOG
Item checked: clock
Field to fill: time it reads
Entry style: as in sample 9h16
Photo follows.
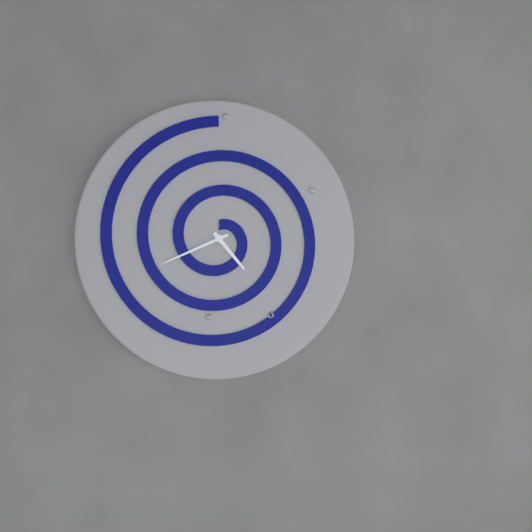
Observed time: 4h41
